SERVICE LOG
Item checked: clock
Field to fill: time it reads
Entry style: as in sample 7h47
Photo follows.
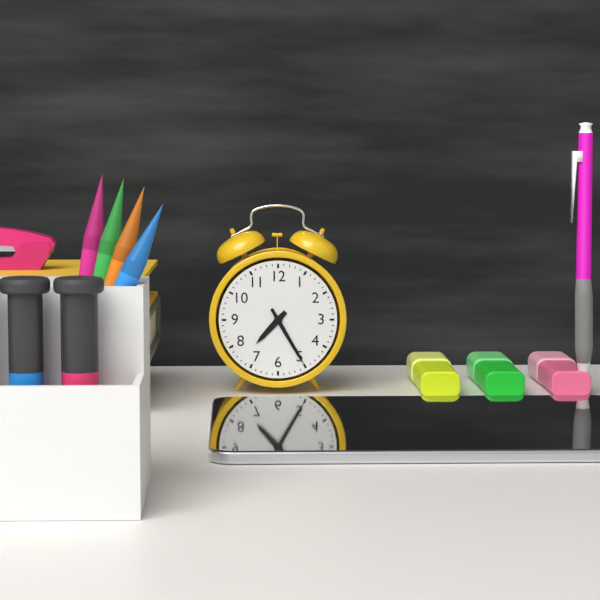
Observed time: 7h25
